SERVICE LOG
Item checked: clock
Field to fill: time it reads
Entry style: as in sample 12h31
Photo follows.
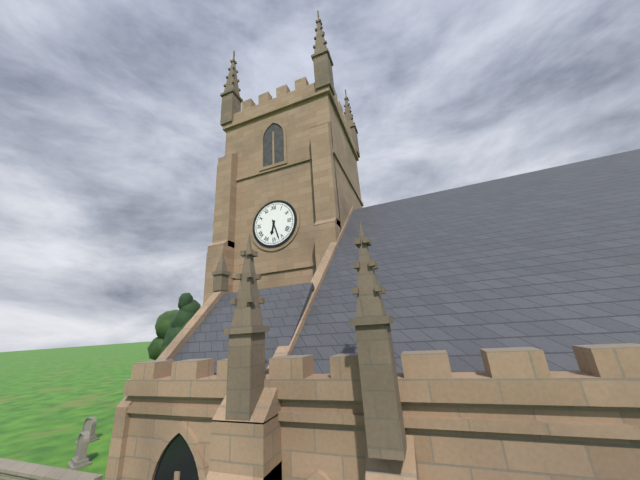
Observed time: 6h27
